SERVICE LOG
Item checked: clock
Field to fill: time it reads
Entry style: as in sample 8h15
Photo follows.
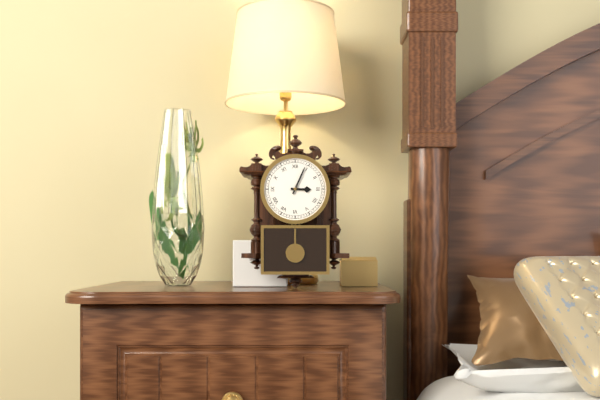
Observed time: 3h04
